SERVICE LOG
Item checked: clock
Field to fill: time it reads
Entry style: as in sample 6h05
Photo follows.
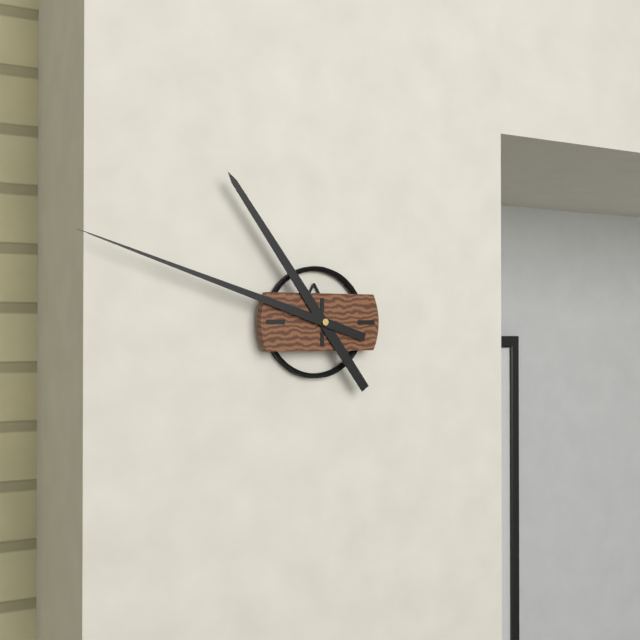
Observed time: 10h48
